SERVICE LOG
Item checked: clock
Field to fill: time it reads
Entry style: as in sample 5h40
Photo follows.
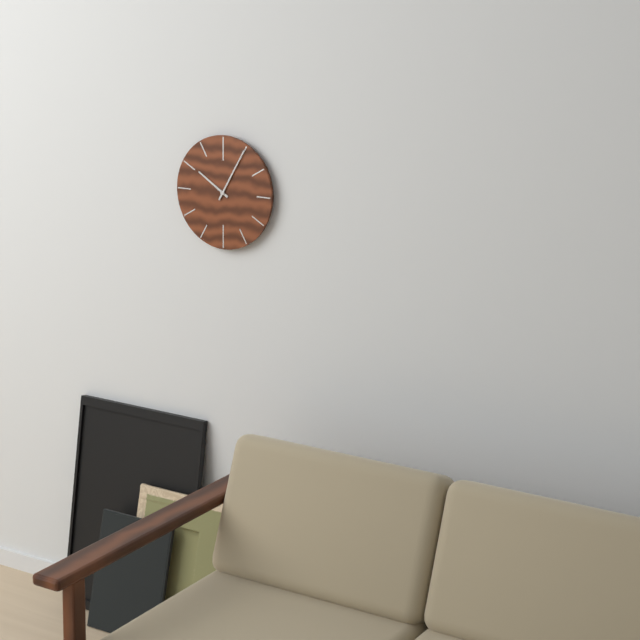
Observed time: 10h05
